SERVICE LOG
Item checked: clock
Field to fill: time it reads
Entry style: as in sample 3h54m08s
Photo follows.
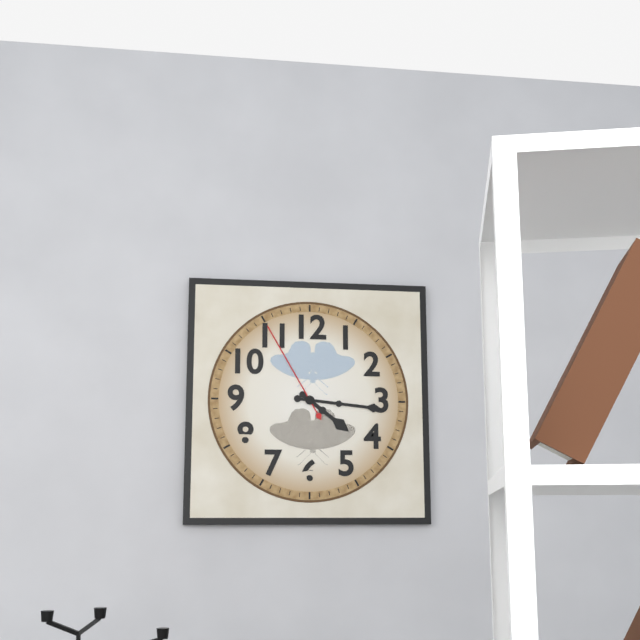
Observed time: 4h16m55s
